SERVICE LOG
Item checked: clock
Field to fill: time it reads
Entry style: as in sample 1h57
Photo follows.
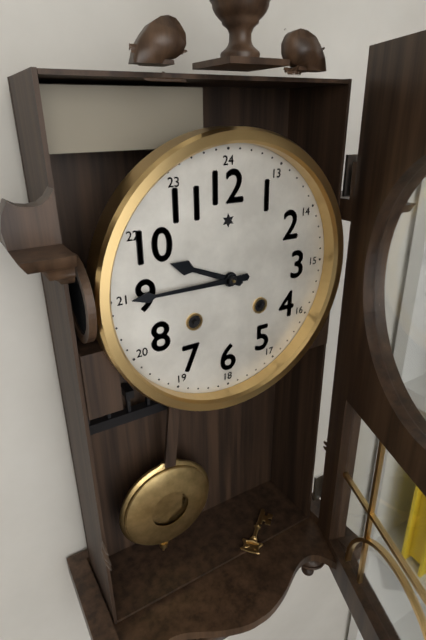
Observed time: 9h45
